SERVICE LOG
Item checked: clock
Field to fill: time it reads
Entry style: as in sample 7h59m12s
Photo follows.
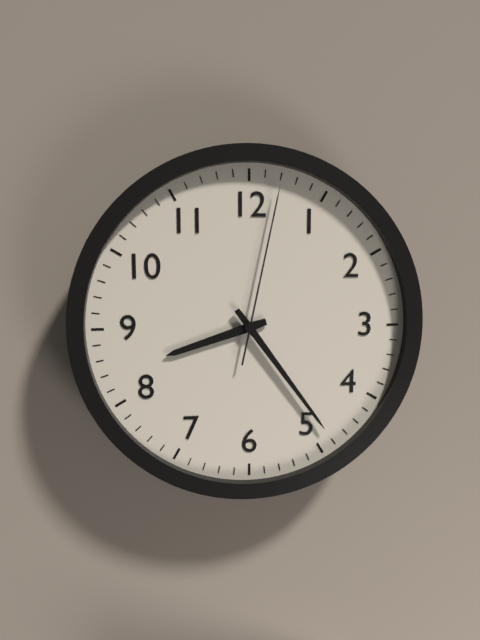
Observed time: 8h24m02s
